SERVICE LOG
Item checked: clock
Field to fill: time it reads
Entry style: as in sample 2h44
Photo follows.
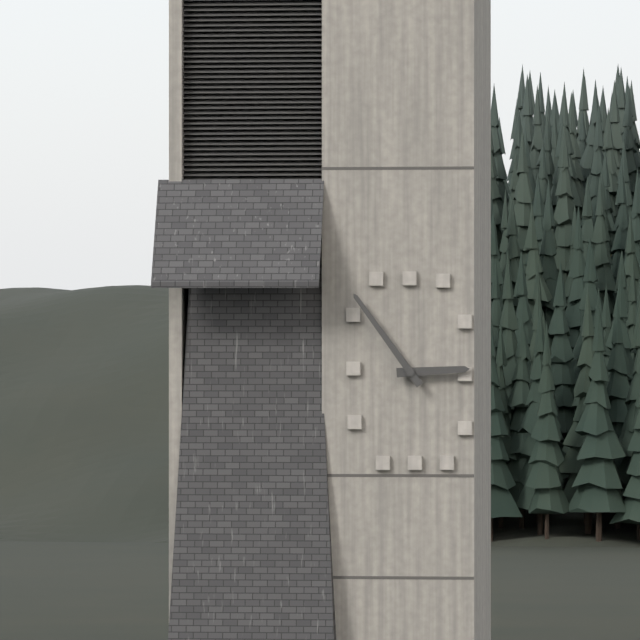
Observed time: 2h54
